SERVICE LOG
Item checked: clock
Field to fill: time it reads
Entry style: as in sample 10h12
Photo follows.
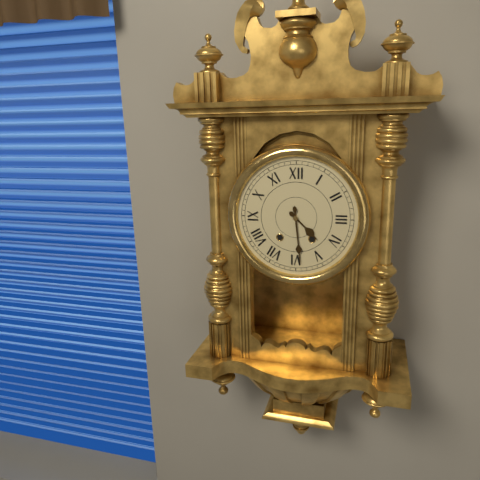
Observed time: 4h29
